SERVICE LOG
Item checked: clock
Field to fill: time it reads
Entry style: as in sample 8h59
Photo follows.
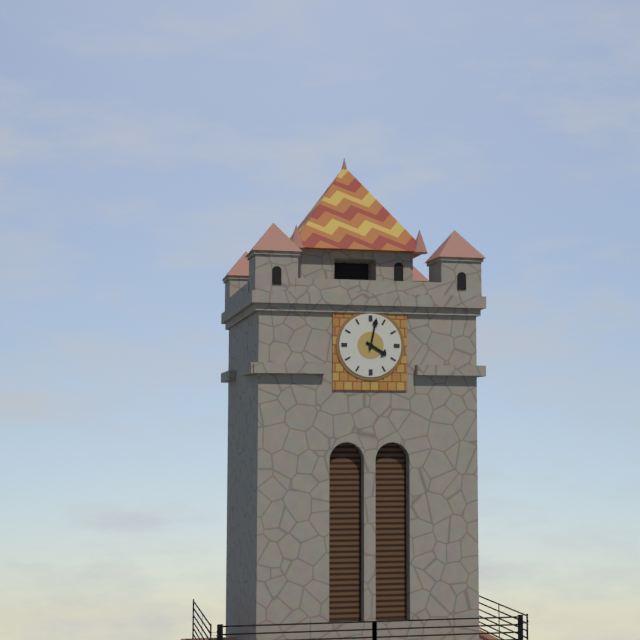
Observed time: 4h02
